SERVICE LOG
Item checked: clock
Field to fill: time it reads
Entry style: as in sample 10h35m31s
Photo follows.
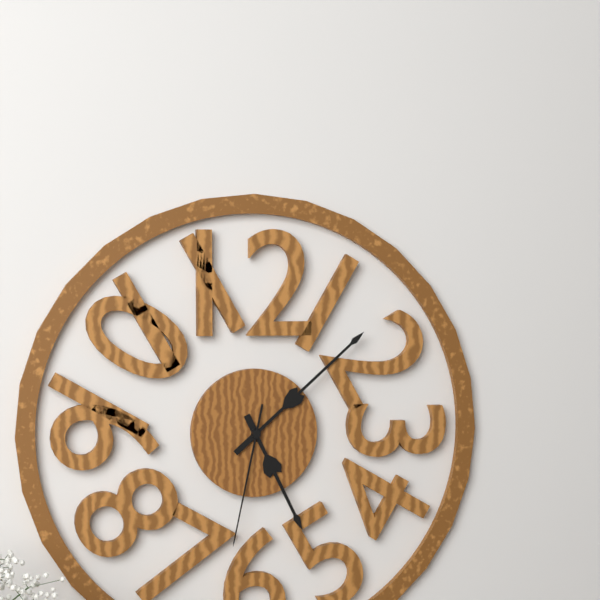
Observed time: 5h08m32s
